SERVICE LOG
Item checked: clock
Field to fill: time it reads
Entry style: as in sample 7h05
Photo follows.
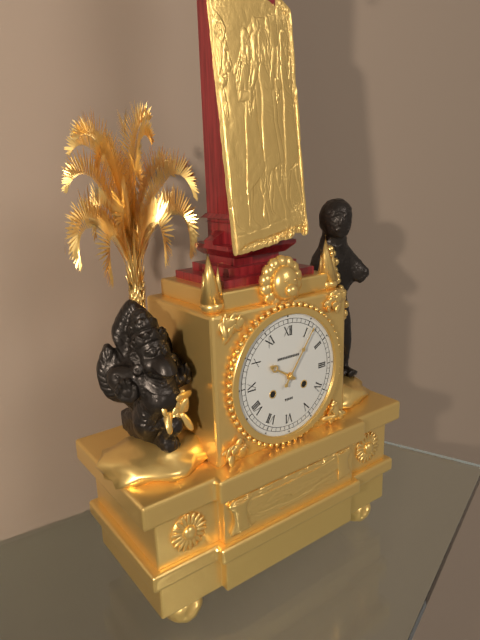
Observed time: 10h06
